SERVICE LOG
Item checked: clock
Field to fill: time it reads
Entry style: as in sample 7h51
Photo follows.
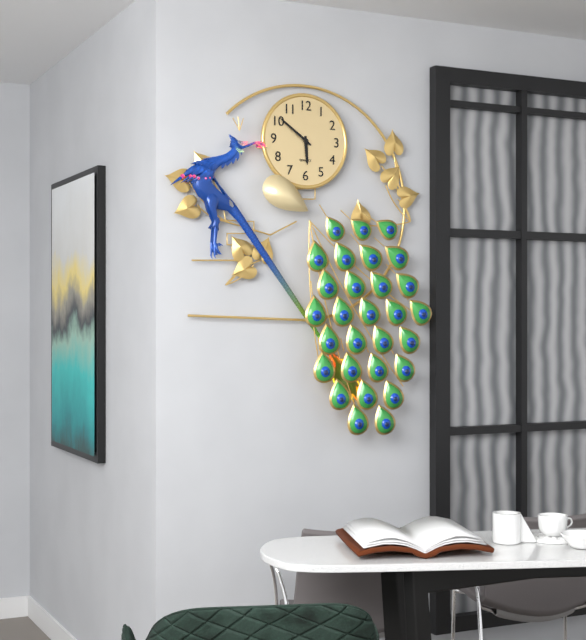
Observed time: 5h51
